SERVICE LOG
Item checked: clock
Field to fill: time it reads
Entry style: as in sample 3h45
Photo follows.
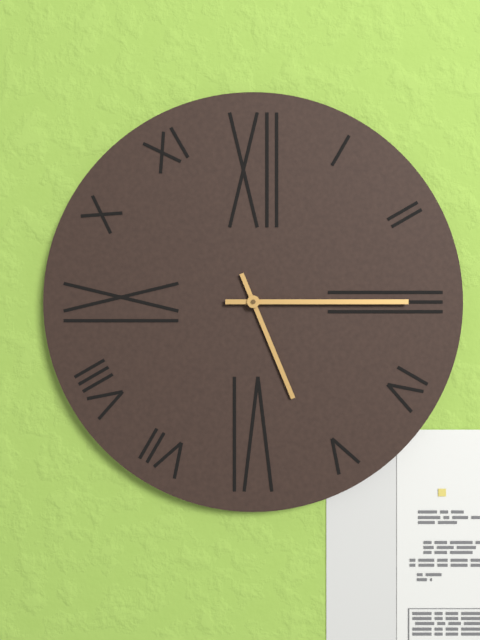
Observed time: 5h15
